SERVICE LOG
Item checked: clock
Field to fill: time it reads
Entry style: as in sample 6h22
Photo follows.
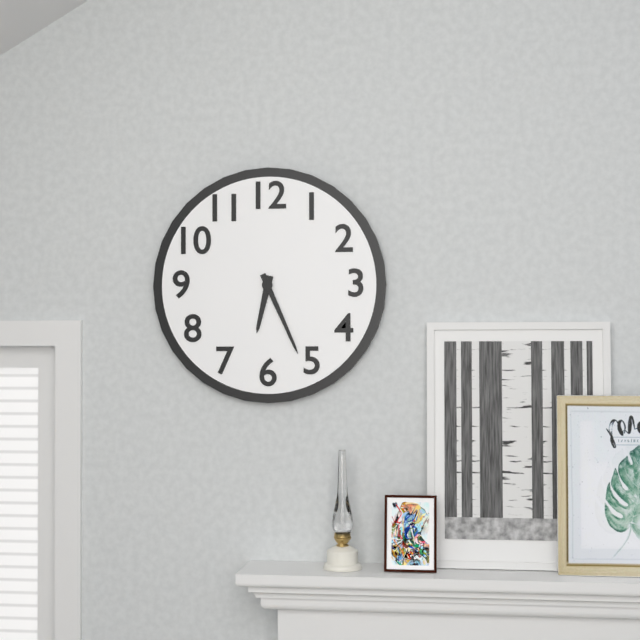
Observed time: 6h26
